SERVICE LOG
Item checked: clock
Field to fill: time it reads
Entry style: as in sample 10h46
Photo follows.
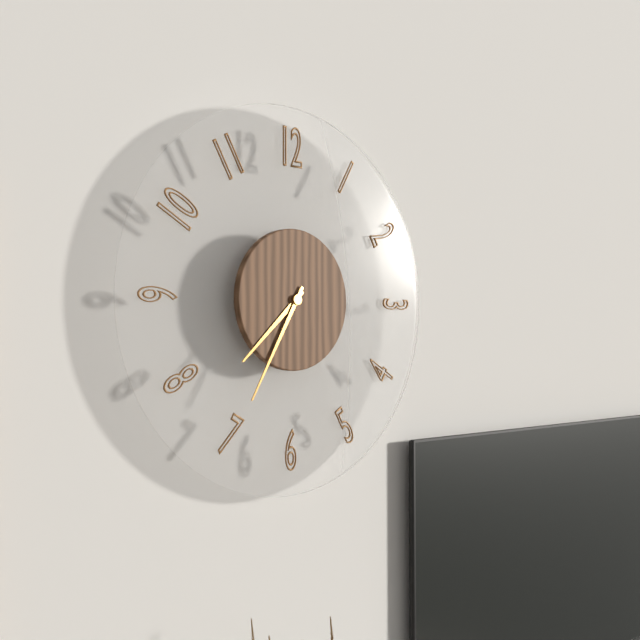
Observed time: 7h35
